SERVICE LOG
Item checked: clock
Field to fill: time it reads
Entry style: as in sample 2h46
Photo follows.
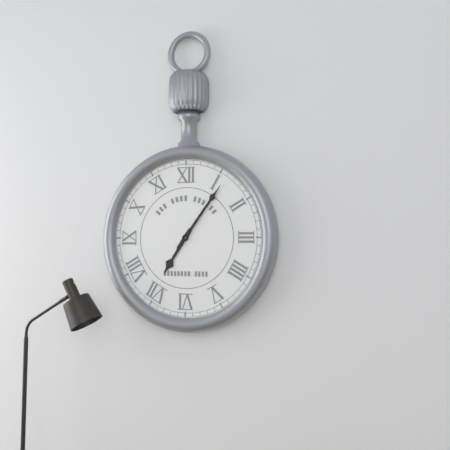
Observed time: 7h06
